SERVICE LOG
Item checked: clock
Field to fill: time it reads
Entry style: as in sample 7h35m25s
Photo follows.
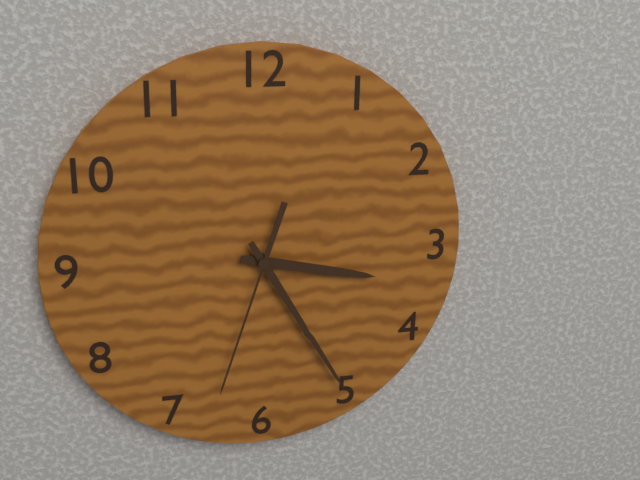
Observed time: 3h25m33s
